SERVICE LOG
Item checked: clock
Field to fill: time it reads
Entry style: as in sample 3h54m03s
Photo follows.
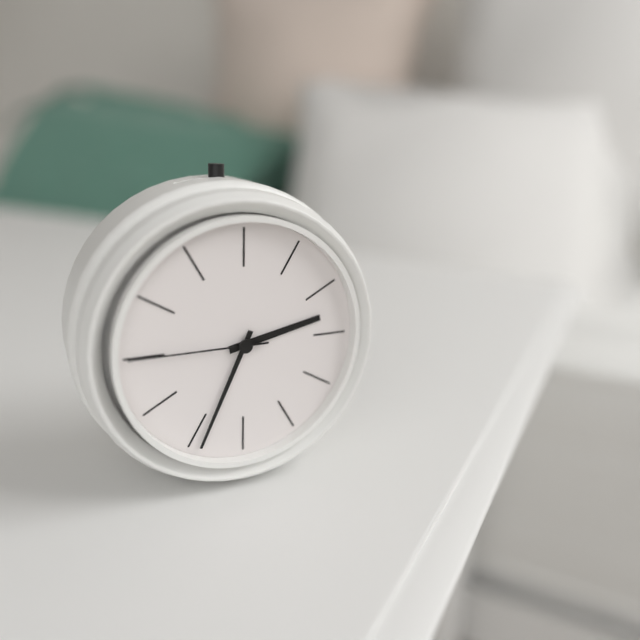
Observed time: 2h34m45s
